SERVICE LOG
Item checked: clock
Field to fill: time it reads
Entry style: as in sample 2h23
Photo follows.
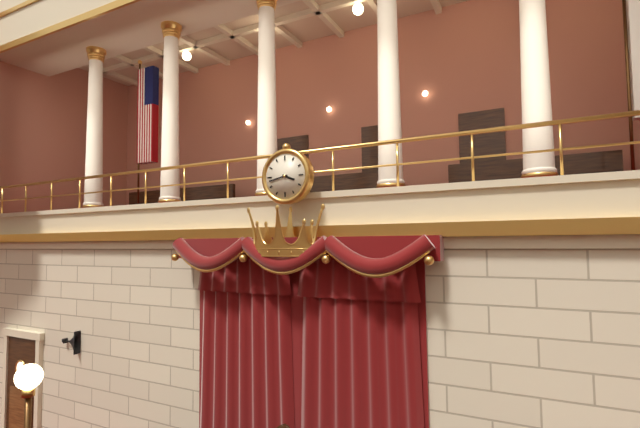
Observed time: 3h43
